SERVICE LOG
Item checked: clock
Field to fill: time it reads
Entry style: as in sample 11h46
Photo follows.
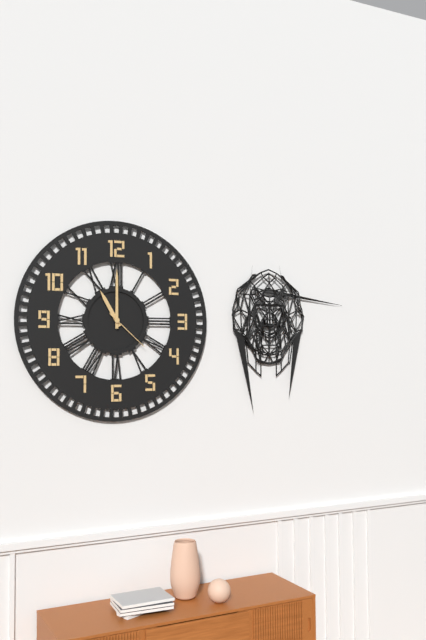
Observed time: 11h00
